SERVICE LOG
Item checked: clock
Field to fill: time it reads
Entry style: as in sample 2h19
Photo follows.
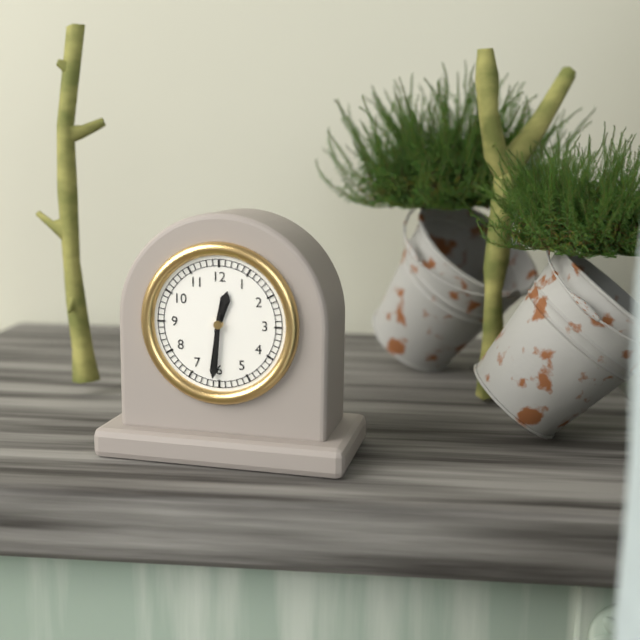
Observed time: 12h31
